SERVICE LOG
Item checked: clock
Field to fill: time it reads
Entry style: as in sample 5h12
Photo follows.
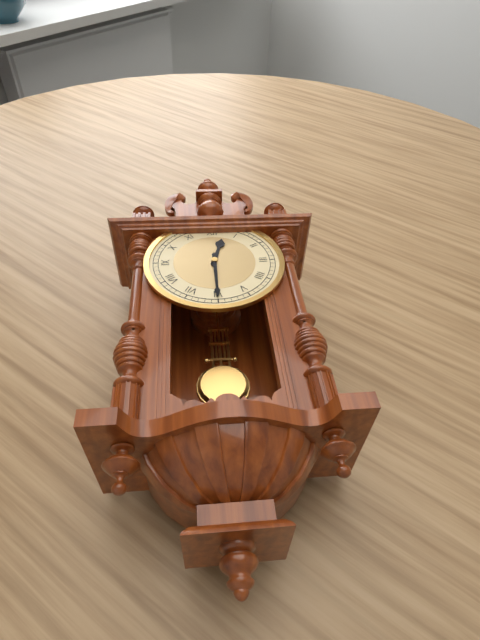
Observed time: 12h30
